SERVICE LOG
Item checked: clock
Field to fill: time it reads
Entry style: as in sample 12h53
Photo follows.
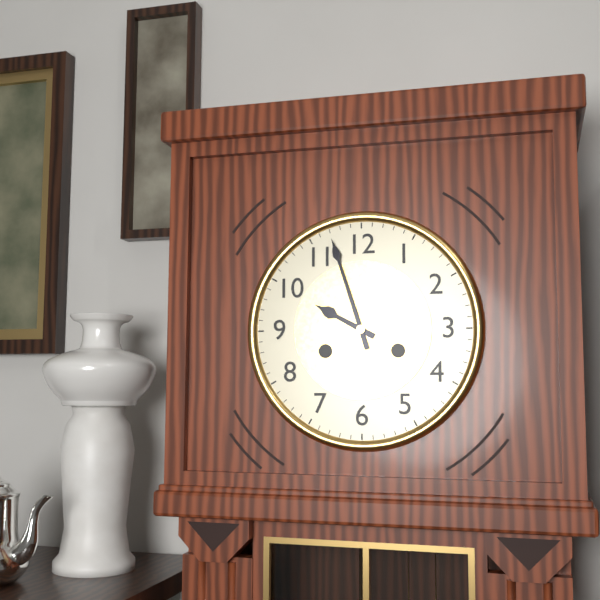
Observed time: 9h57
